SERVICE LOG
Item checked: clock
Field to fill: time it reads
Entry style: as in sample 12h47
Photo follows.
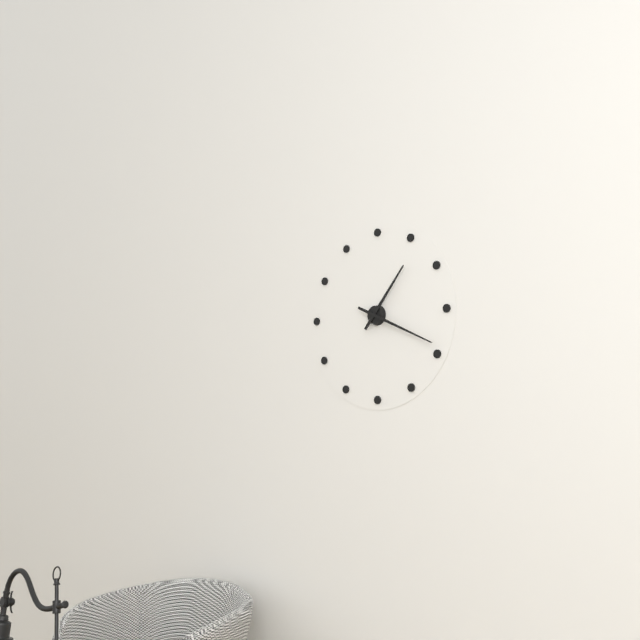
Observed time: 1h19
